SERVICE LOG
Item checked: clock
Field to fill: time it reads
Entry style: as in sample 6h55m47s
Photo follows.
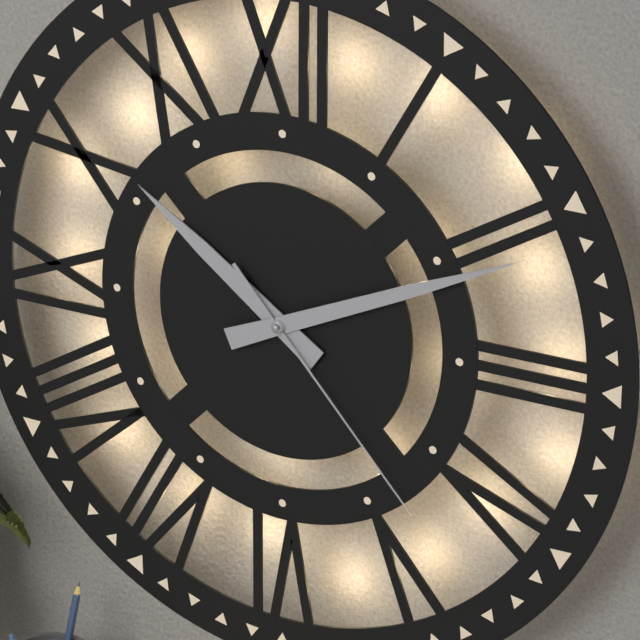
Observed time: 10h11m23s
